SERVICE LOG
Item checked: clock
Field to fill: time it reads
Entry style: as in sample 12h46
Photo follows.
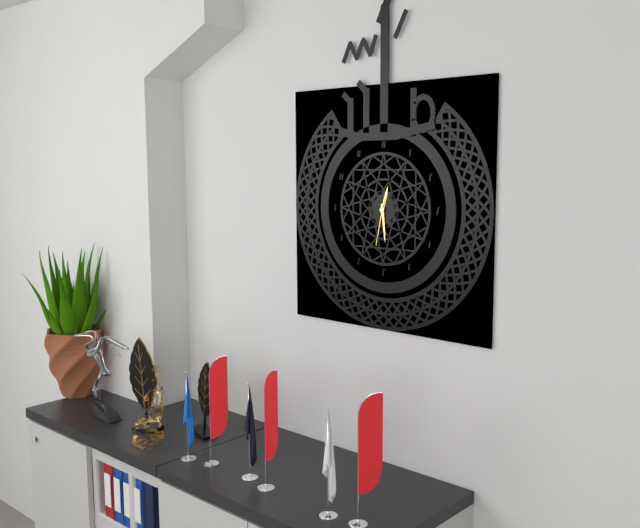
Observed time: 12h29
